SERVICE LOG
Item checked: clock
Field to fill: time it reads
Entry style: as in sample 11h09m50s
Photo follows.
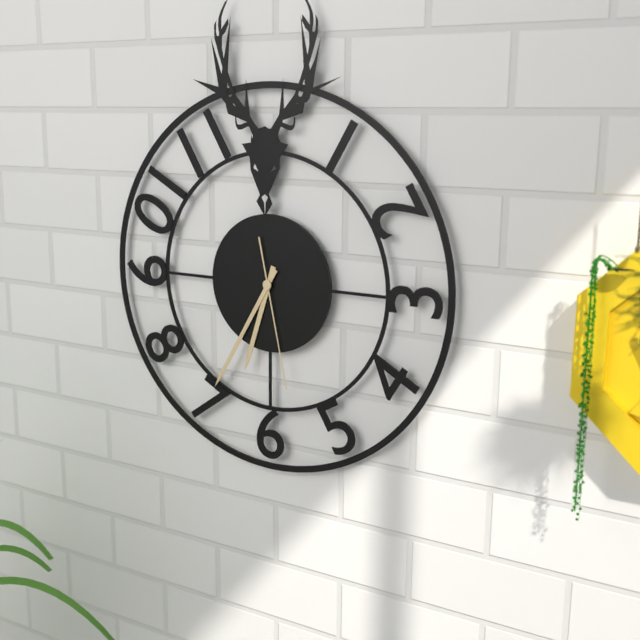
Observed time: 6h35m28s
